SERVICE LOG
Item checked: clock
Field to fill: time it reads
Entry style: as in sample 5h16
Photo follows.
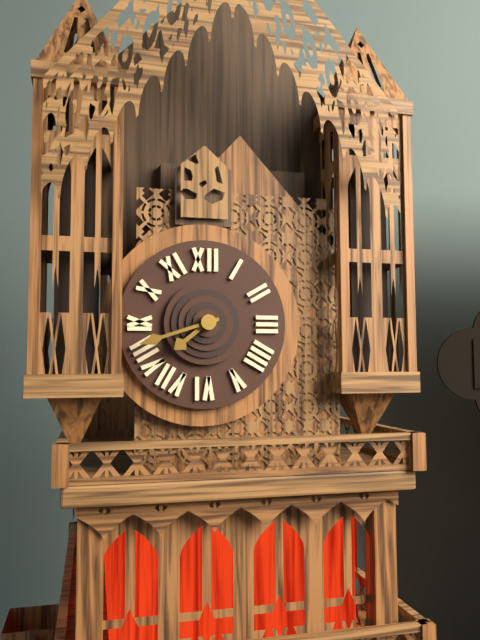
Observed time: 7h42
